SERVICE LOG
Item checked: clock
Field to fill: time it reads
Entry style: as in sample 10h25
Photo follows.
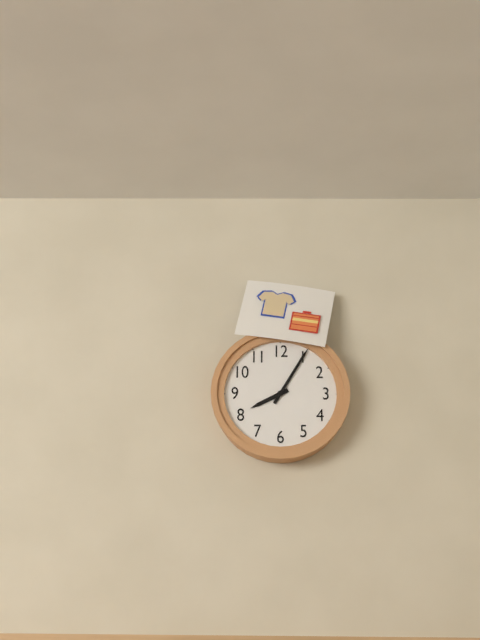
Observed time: 8h05
